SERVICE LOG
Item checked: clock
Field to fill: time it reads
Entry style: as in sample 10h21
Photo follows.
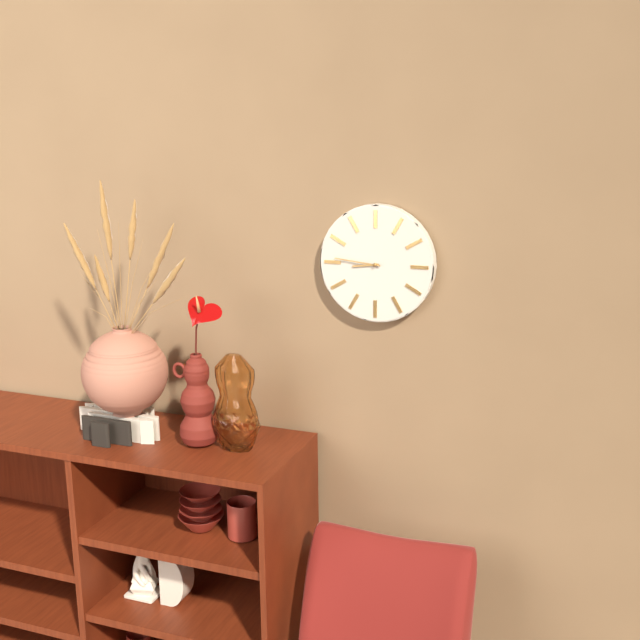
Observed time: 8h46
